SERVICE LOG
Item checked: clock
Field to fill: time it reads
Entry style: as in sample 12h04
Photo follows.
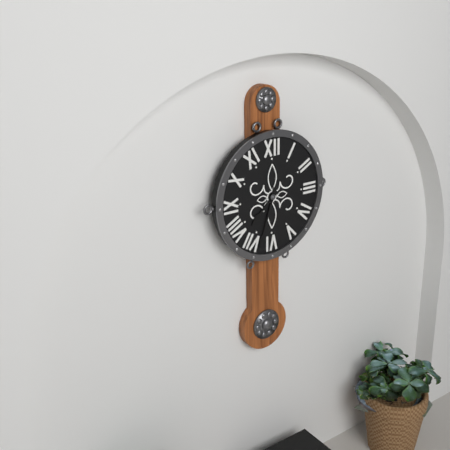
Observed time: 7h33
